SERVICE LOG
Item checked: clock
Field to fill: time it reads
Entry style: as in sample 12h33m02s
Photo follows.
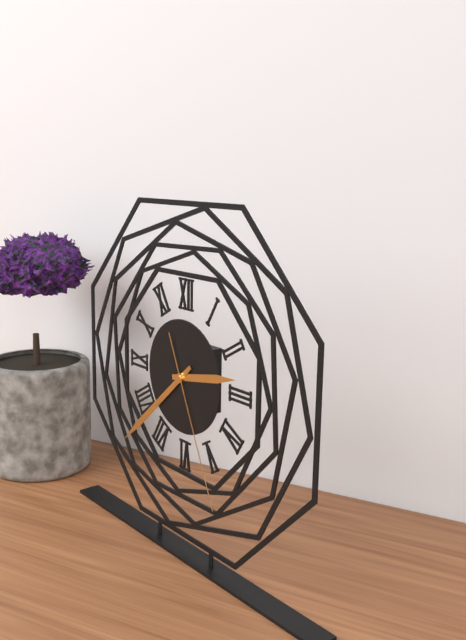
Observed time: 2h38m26s
